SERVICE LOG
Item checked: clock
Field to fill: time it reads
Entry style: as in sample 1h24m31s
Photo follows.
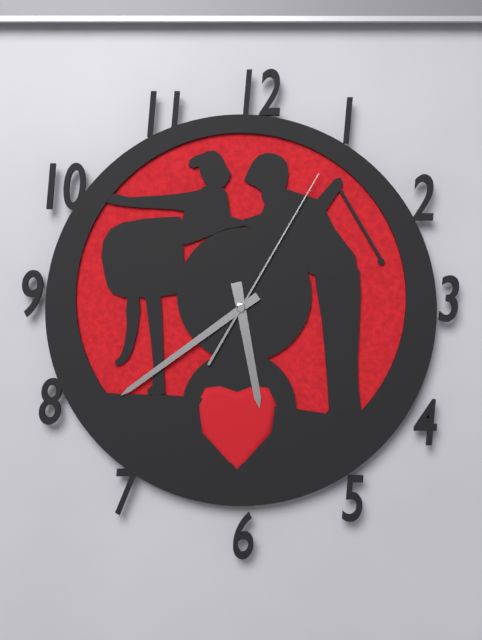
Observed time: 5h39m05s
